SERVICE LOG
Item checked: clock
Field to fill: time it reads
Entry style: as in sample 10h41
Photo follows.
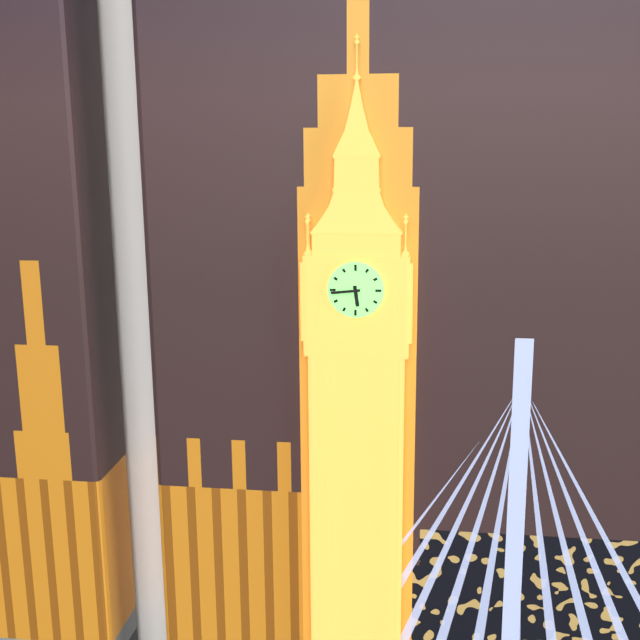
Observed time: 5h44
